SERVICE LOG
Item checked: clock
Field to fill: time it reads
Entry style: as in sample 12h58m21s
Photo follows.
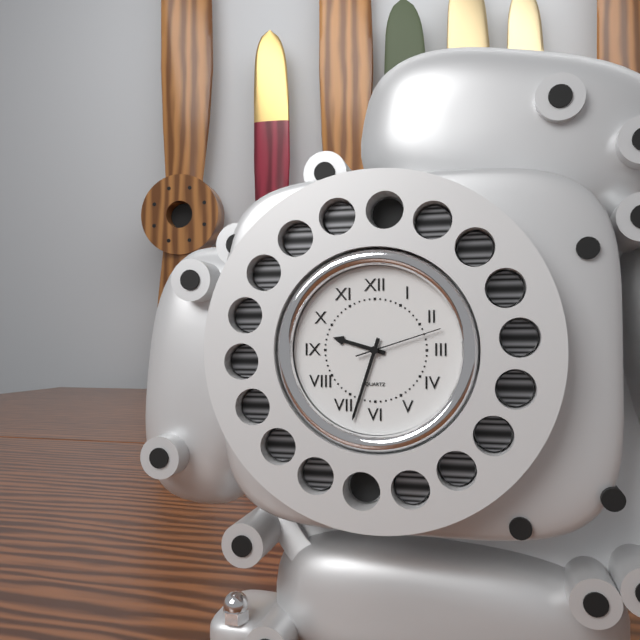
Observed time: 9h33m12s
